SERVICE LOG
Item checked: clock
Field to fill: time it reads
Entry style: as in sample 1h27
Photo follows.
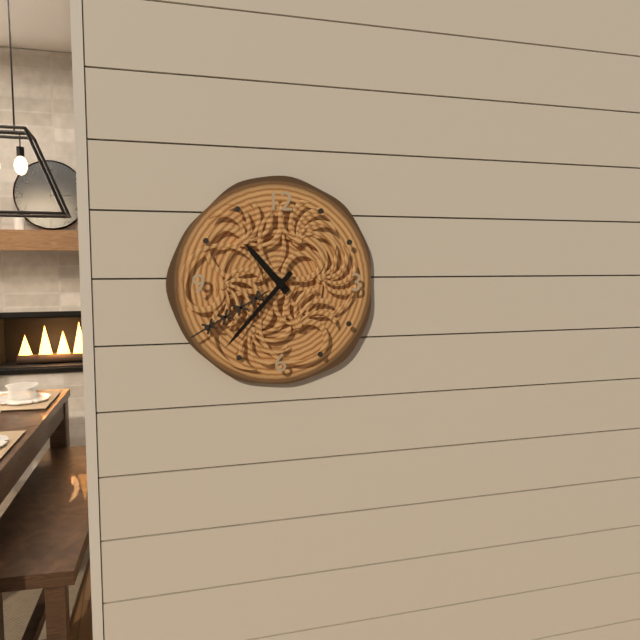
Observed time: 10h37
